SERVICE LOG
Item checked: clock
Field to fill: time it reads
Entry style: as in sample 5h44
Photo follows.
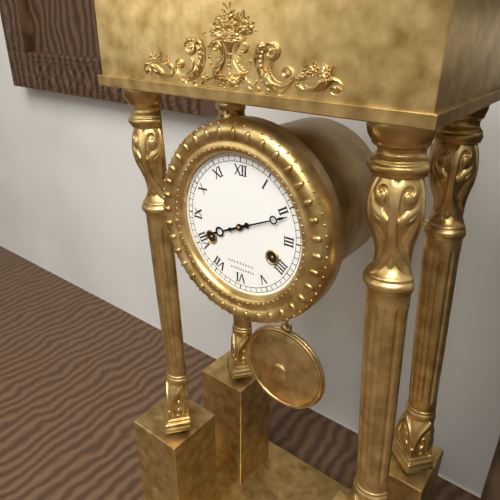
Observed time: 8h11
